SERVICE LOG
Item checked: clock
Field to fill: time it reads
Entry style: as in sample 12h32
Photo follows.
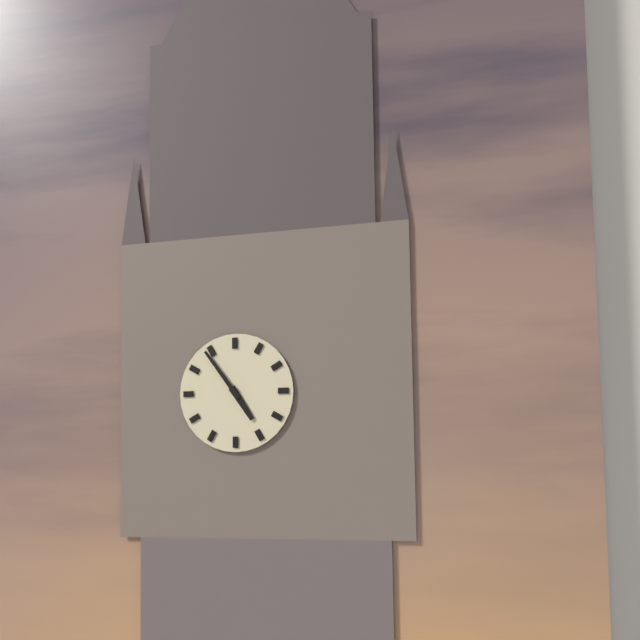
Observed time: 4h54
